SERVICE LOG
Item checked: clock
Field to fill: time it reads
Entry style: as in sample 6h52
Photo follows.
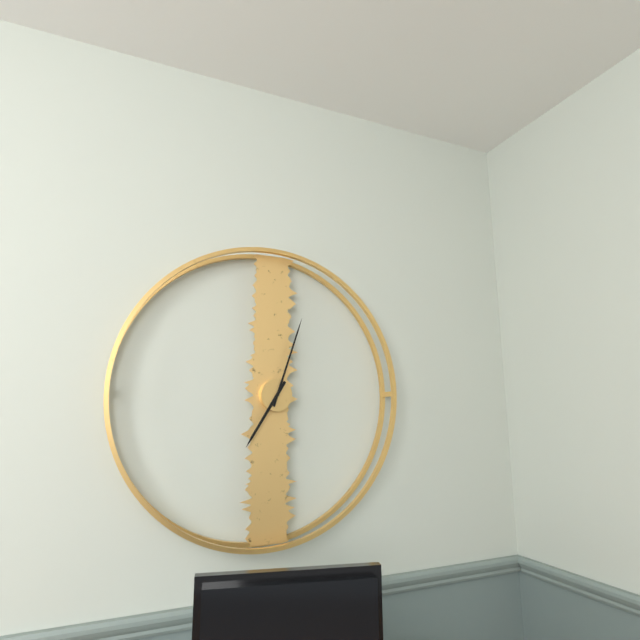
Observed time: 7h03
